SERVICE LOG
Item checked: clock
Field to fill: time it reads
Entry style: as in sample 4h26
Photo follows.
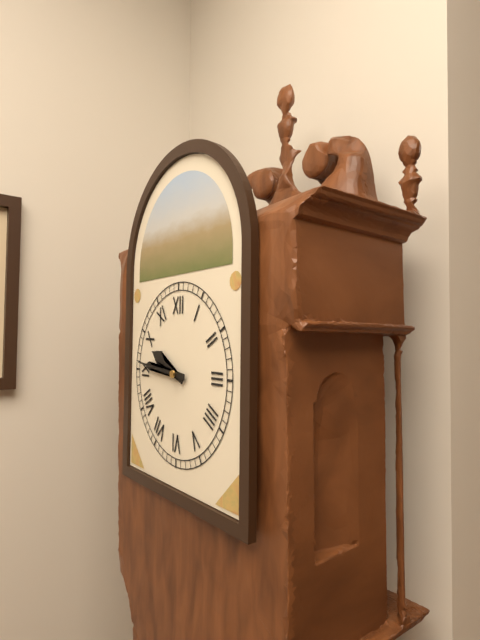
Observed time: 9h46
